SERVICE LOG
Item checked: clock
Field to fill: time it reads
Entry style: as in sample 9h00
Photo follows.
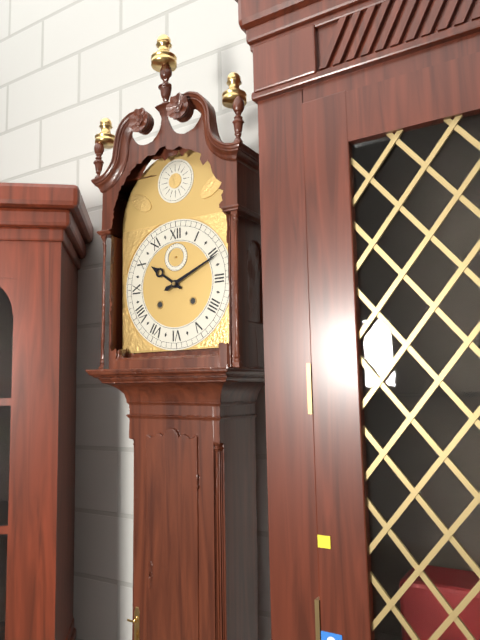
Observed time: 10h11
